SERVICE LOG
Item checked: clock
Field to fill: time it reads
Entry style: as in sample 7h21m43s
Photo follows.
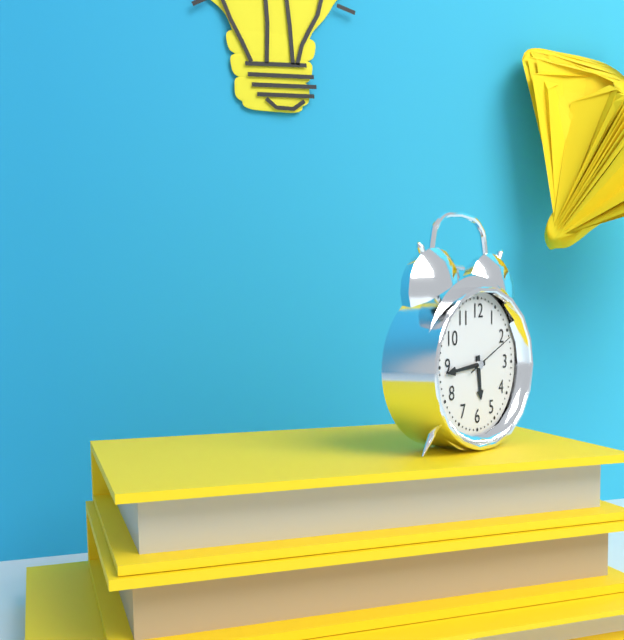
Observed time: 5h44m11s
